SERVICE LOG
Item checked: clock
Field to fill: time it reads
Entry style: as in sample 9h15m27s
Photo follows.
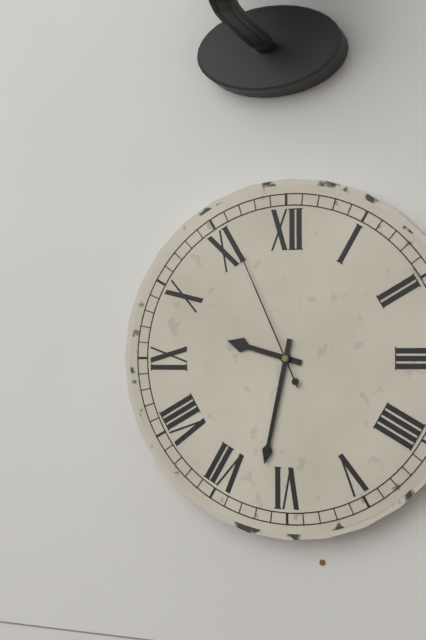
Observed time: 9h32m56s
